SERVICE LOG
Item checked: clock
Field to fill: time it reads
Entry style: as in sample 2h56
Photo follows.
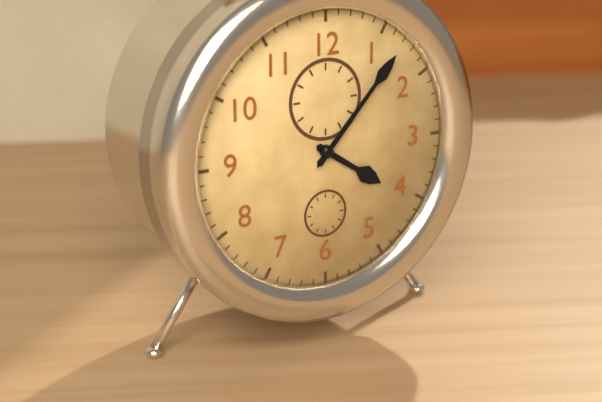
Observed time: 4h07
